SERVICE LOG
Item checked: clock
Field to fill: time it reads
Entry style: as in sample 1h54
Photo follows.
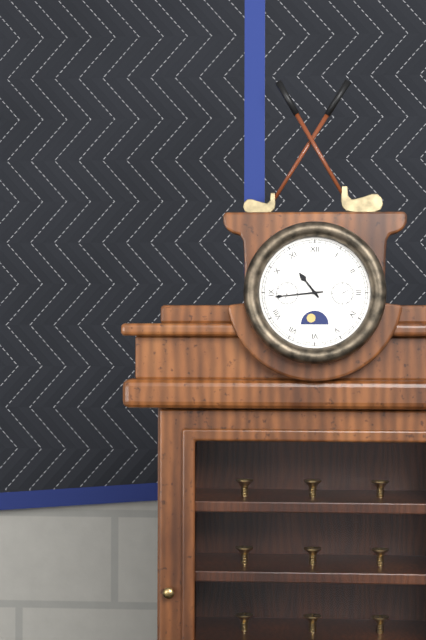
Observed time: 10h44
